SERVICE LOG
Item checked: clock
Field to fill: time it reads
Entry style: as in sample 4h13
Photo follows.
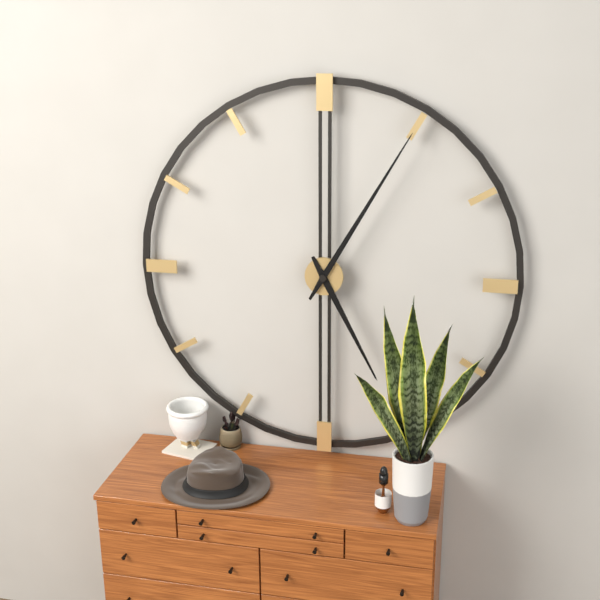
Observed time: 5h05
